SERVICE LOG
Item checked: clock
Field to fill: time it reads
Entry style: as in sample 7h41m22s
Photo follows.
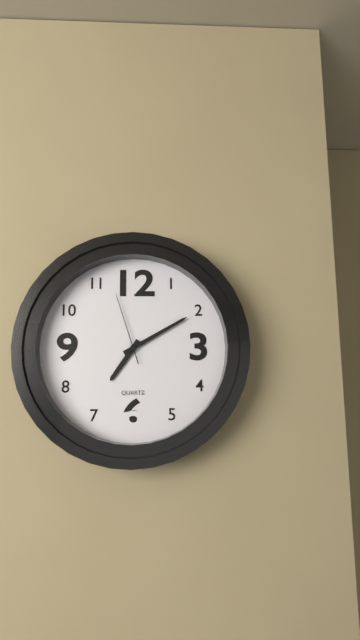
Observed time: 7h10m57s
